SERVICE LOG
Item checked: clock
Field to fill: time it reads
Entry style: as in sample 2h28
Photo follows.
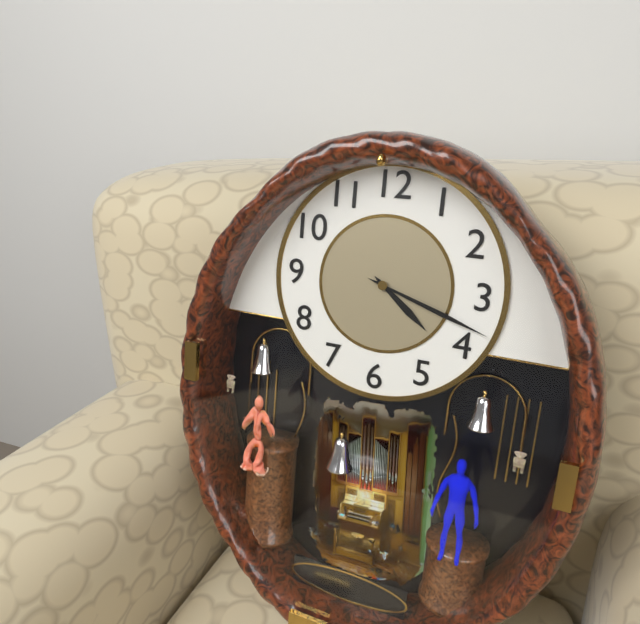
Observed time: 4h18
